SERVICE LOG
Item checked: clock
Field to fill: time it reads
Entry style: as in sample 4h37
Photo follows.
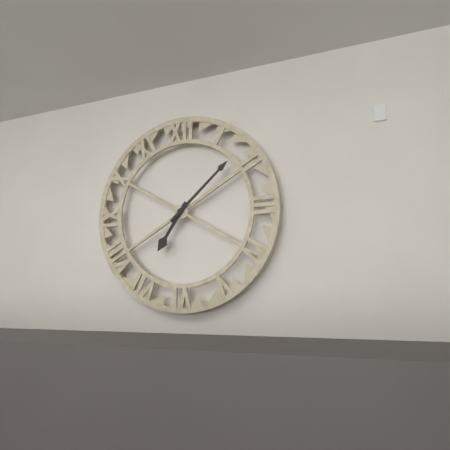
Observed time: 7h08
